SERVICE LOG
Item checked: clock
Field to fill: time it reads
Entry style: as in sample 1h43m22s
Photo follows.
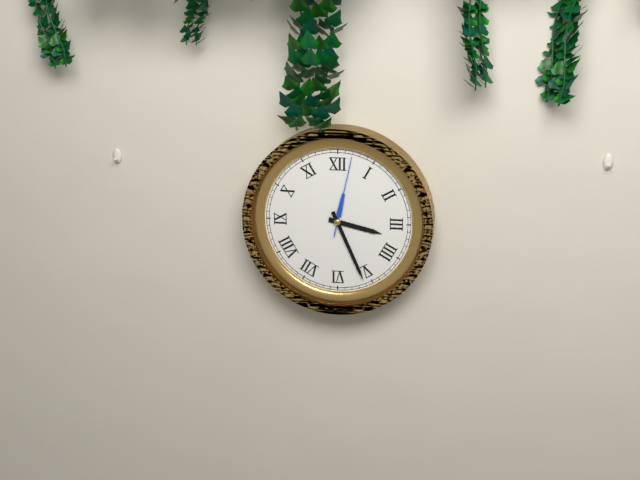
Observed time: 3h26m02s
